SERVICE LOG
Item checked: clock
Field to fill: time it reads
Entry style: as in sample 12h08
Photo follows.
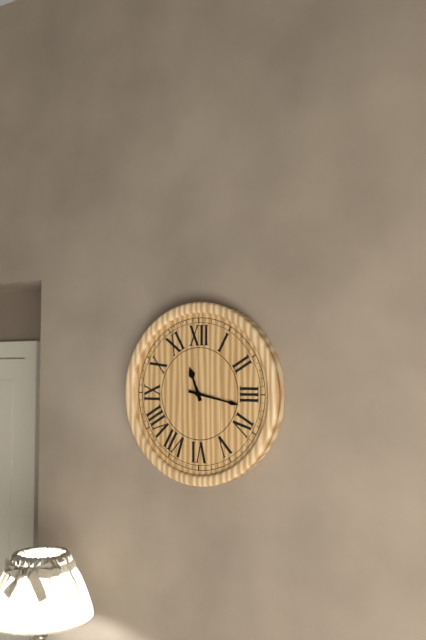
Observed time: 11h17
